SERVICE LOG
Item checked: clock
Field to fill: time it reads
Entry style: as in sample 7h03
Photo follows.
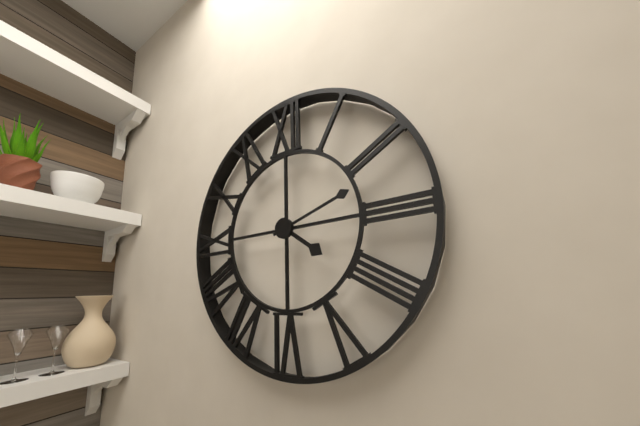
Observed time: 4h12
